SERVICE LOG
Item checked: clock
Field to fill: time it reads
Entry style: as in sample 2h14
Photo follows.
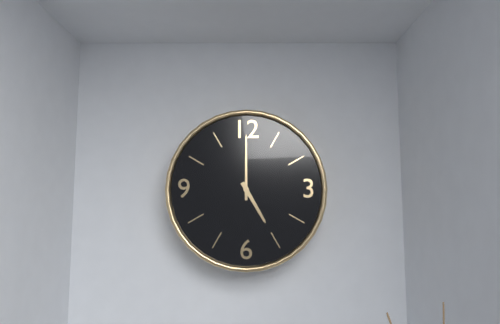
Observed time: 5h00
